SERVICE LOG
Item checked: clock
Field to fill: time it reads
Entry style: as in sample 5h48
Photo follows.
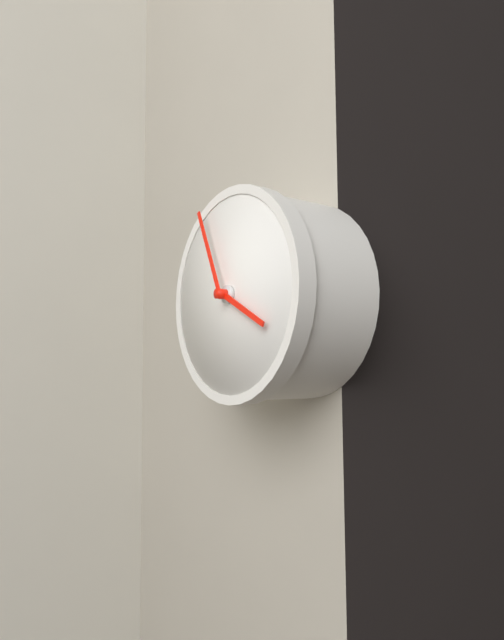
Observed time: 3h56
